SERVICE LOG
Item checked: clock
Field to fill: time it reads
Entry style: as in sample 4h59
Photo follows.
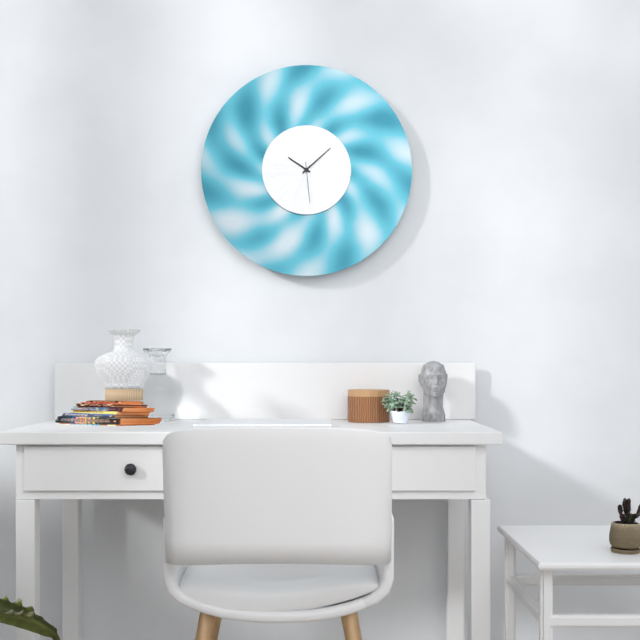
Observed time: 10h08
